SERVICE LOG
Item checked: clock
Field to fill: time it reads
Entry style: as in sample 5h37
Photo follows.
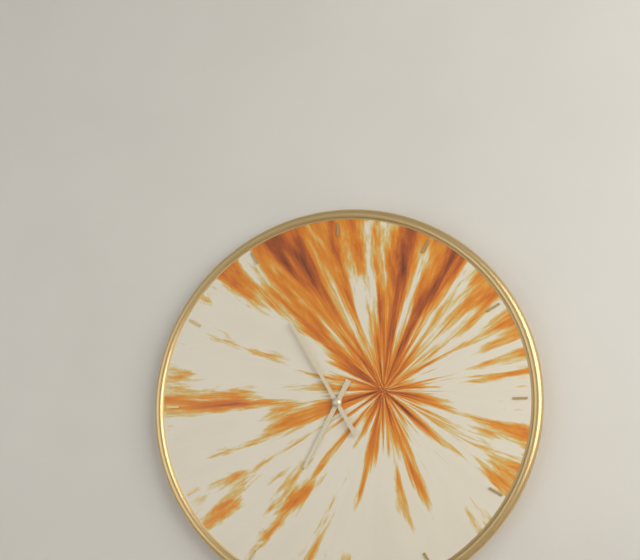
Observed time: 6h55
